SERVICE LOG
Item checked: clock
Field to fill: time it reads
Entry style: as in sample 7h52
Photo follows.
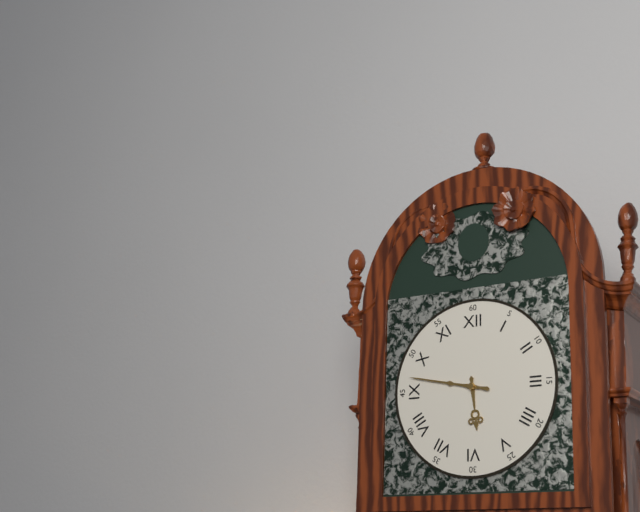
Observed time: 5h47
